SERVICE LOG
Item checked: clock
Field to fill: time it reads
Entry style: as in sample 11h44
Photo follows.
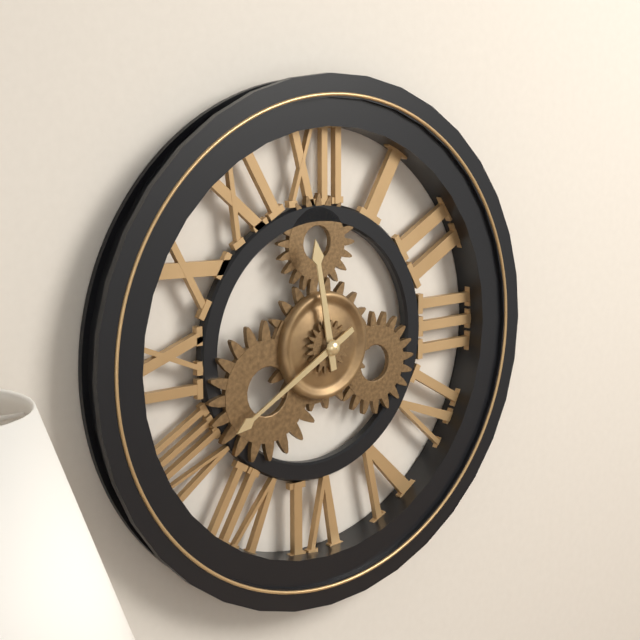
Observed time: 11h40
